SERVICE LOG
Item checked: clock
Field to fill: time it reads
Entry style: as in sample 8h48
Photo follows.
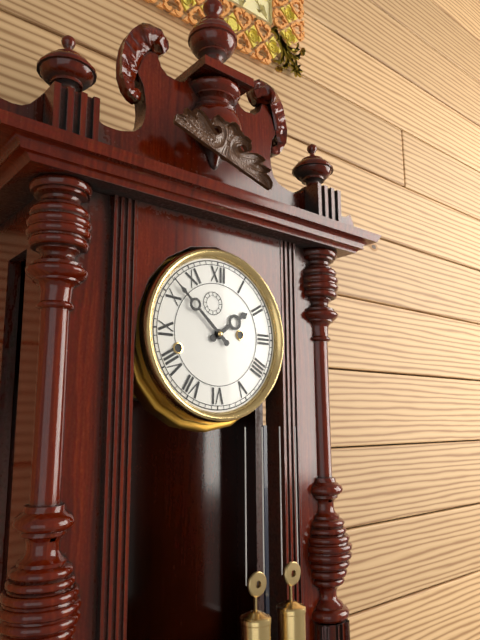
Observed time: 1h52
